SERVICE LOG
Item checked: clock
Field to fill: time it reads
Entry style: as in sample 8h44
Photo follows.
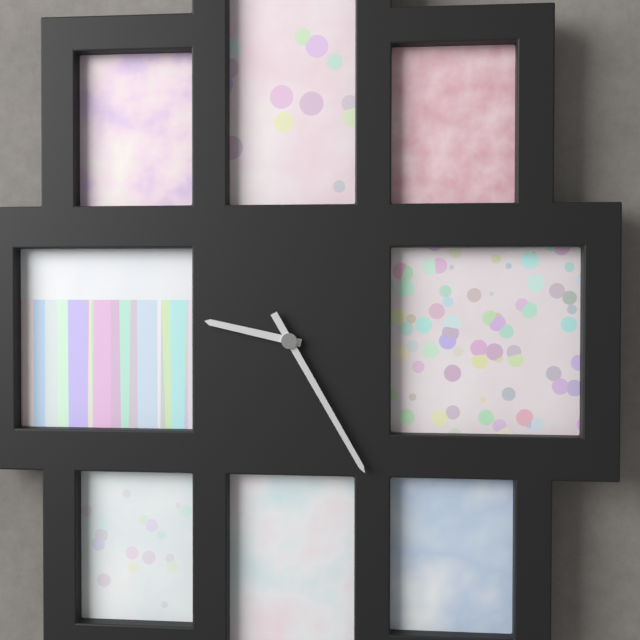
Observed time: 9h25
